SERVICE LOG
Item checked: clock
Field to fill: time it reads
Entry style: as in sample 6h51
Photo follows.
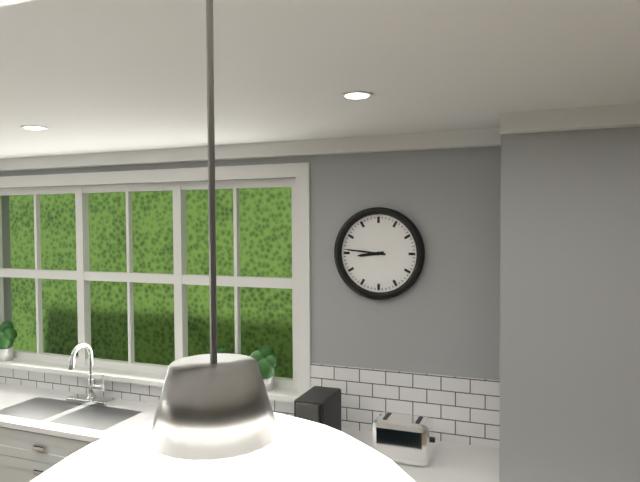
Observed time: 8h46
